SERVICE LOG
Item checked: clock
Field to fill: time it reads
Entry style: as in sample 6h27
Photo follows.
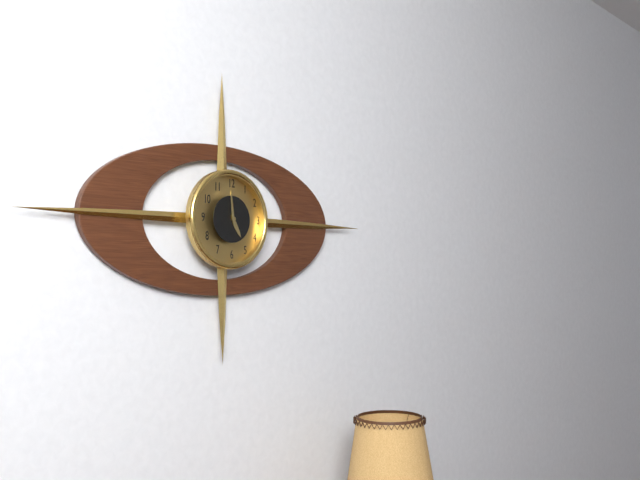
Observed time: 4h59
